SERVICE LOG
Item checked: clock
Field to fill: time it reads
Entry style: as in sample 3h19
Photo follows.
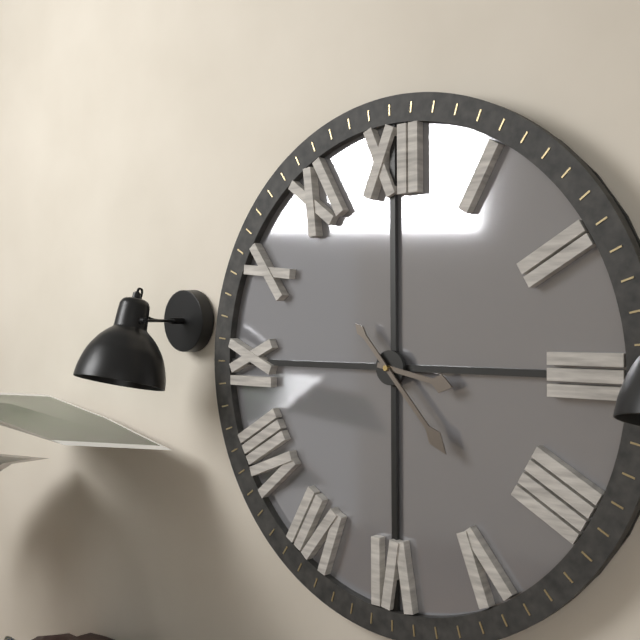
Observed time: 3h23
